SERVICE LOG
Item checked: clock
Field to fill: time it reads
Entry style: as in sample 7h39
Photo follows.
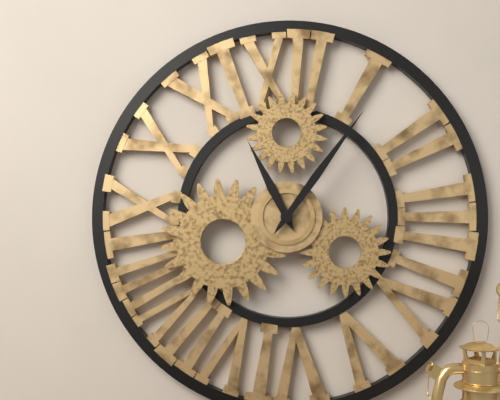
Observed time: 11h06
